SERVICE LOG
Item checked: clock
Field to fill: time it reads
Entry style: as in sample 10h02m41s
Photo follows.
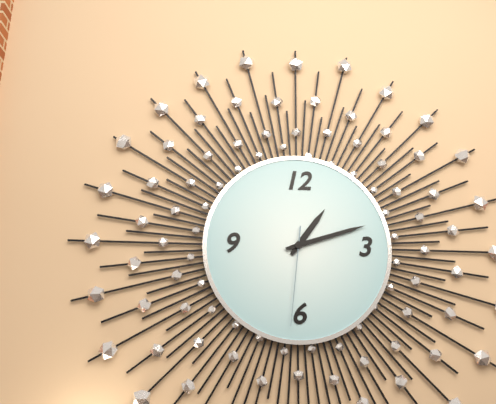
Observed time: 1h12m31s
